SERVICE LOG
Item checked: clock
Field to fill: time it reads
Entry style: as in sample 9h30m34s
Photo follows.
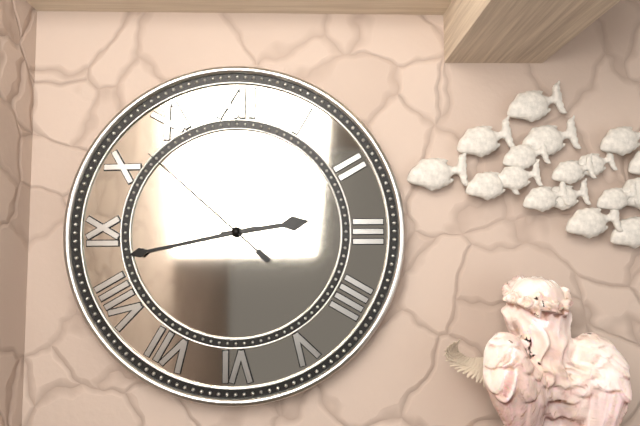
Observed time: 2h43m52s
